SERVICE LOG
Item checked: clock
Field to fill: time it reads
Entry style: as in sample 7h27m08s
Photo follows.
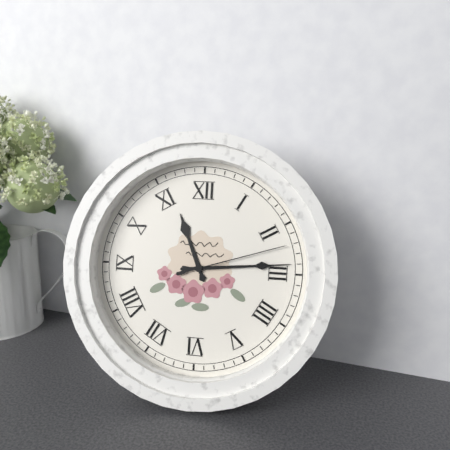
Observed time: 11h14m12s
